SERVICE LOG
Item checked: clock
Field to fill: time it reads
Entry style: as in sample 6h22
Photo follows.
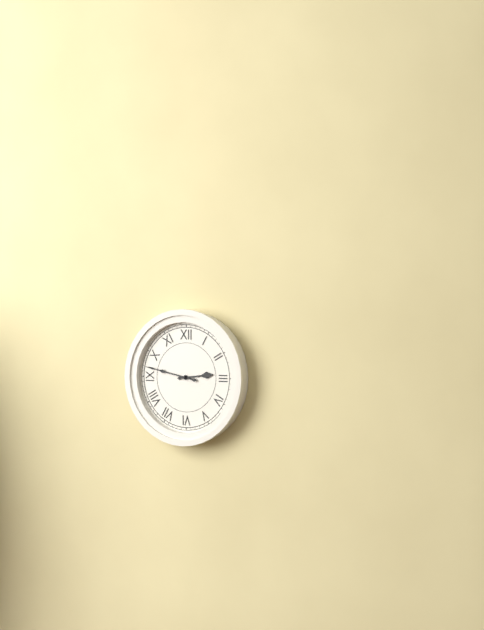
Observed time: 2h47
